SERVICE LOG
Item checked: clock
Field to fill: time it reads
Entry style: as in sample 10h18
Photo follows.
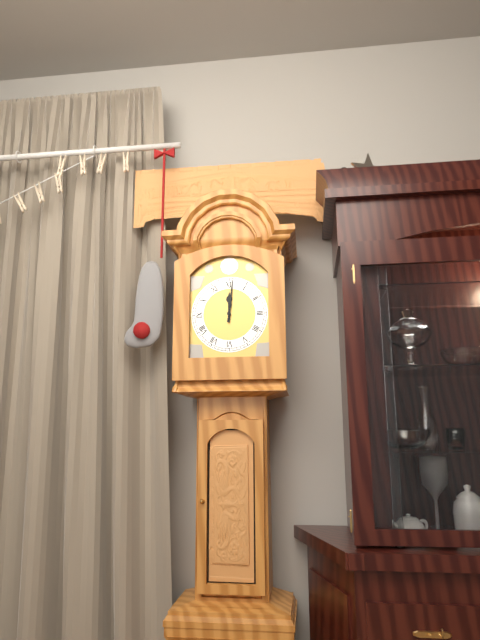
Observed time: 12h01
